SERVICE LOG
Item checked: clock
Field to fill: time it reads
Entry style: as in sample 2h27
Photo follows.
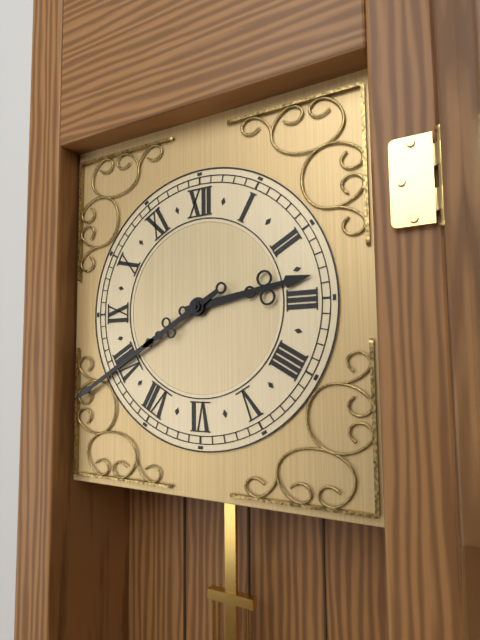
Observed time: 2h40
